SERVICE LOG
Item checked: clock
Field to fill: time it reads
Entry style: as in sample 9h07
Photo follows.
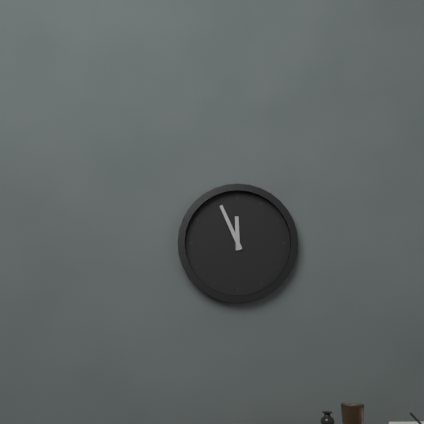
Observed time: 11h56
